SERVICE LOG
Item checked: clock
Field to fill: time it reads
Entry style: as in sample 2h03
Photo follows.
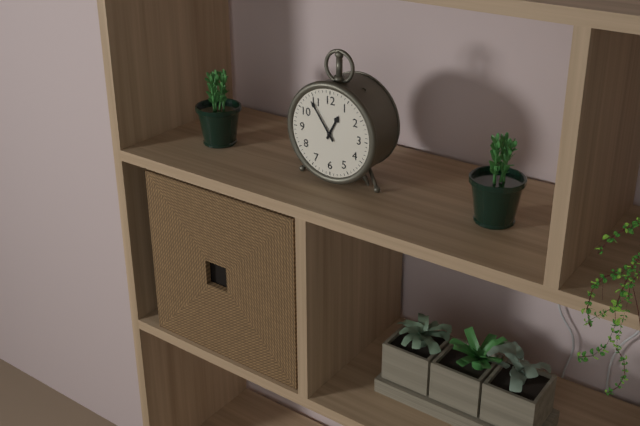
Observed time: 12h54
